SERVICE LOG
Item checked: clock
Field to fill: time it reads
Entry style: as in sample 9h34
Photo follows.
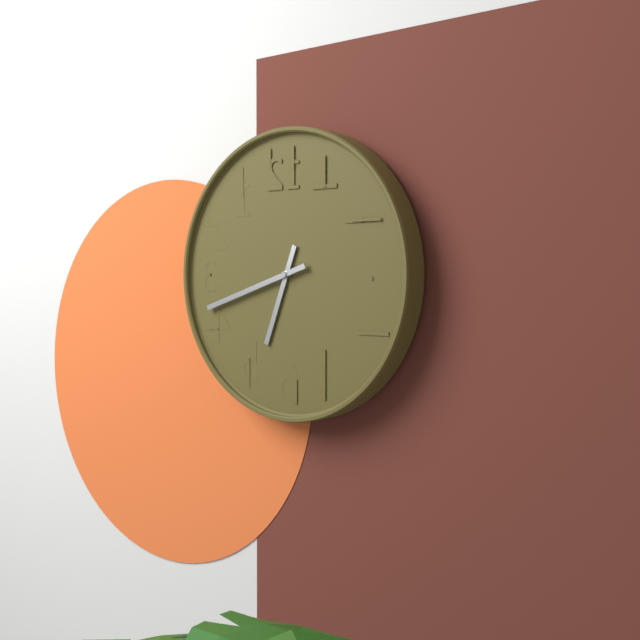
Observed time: 6h42
